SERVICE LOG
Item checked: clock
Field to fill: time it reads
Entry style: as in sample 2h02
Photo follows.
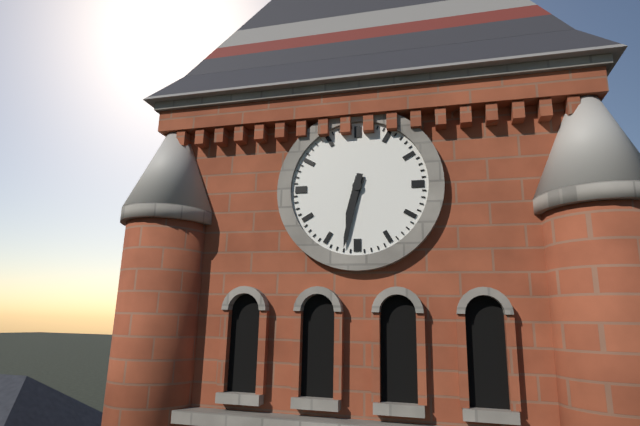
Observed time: 6h32
